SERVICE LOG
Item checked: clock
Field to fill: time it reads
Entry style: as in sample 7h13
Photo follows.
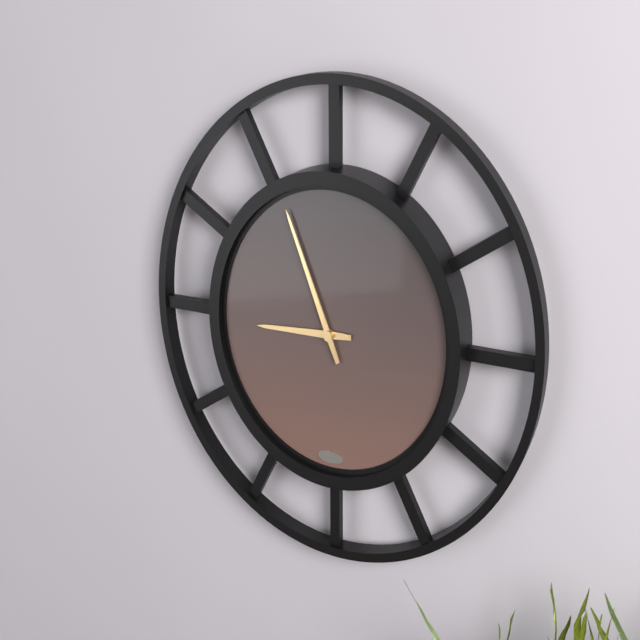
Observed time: 8h56
